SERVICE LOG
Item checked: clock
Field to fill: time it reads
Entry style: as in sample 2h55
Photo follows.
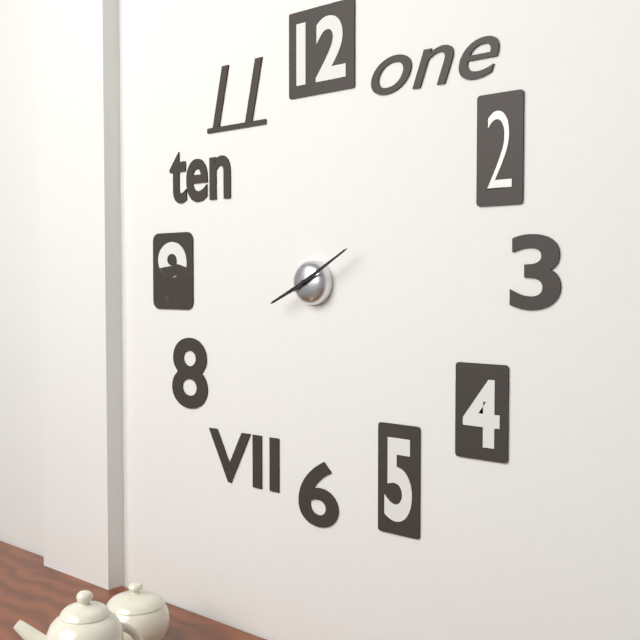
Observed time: 8h10
